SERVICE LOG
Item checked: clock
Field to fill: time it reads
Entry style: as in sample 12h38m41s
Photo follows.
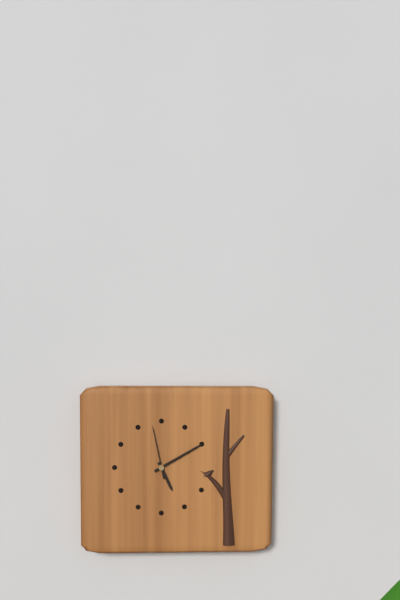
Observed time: 5h10m58s
